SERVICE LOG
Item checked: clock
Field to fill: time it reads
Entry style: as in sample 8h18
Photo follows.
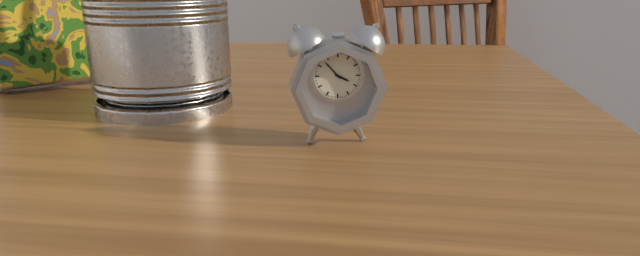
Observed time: 3h53
